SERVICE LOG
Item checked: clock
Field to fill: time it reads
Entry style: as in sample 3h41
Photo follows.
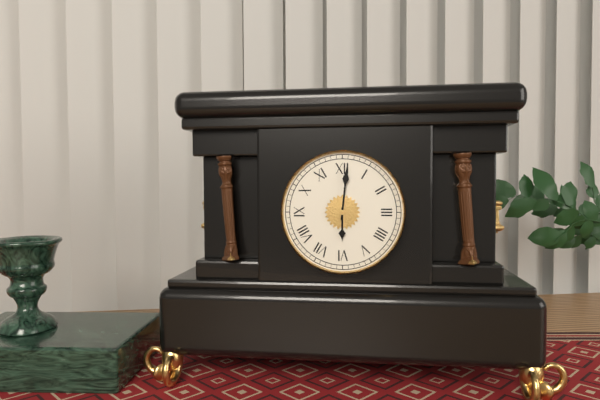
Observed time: 6h01
